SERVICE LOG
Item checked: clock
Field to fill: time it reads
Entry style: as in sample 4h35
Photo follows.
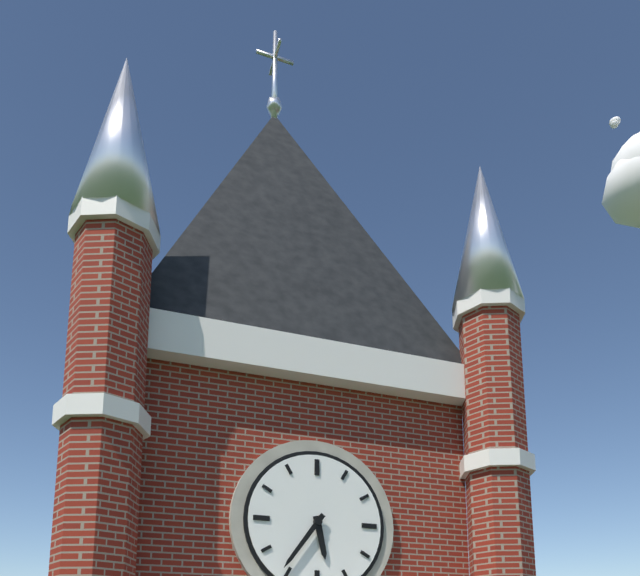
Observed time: 5h36
